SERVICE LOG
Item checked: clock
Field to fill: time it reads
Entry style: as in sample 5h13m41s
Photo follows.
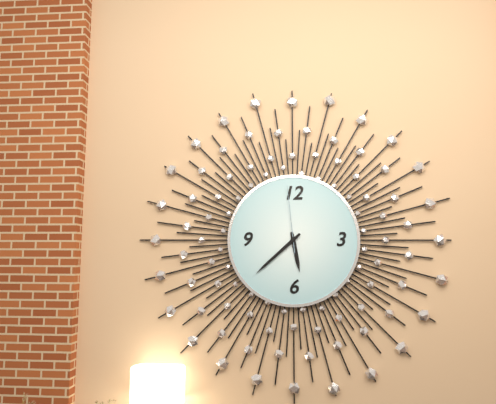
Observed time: 5h38m59s
